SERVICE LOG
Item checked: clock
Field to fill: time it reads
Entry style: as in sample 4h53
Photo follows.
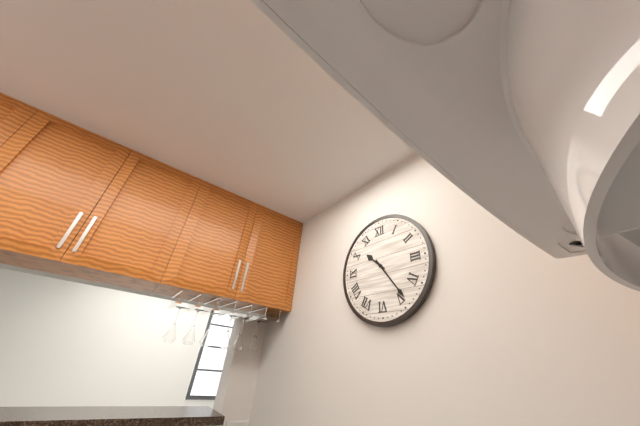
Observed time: 10h24
